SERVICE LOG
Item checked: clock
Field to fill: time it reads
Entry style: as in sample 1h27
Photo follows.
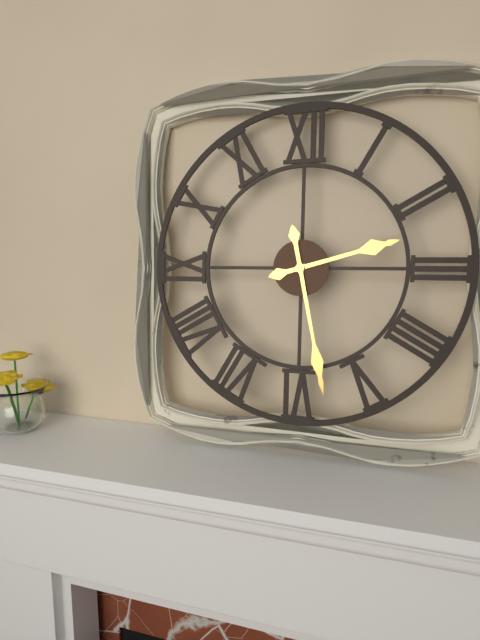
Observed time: 2h28
